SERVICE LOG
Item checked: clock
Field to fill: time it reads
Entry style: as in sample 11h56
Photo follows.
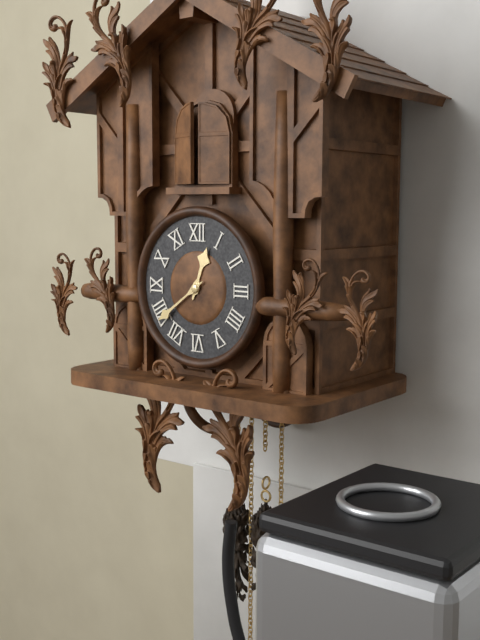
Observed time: 12h39
